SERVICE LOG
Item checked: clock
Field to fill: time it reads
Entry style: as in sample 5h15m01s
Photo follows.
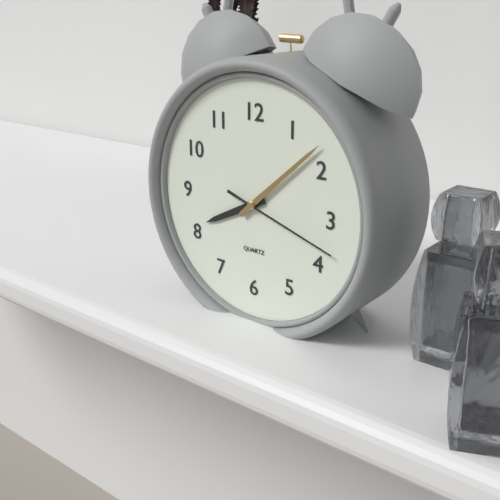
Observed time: 8h08m18s
